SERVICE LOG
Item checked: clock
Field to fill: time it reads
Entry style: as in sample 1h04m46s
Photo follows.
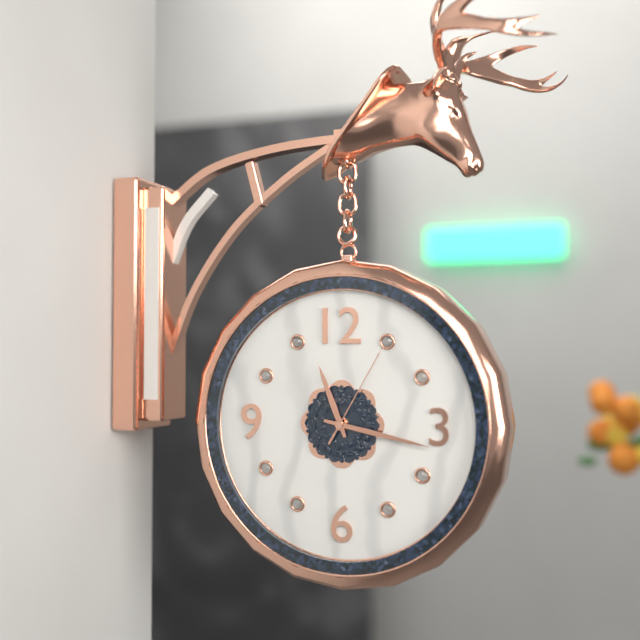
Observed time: 11h17m05s
